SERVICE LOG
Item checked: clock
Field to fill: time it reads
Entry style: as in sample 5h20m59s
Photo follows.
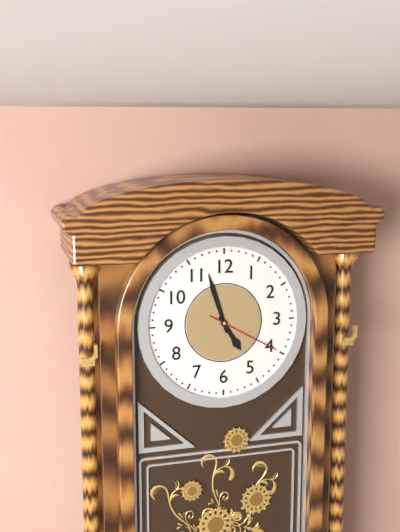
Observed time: 4h57m20s
